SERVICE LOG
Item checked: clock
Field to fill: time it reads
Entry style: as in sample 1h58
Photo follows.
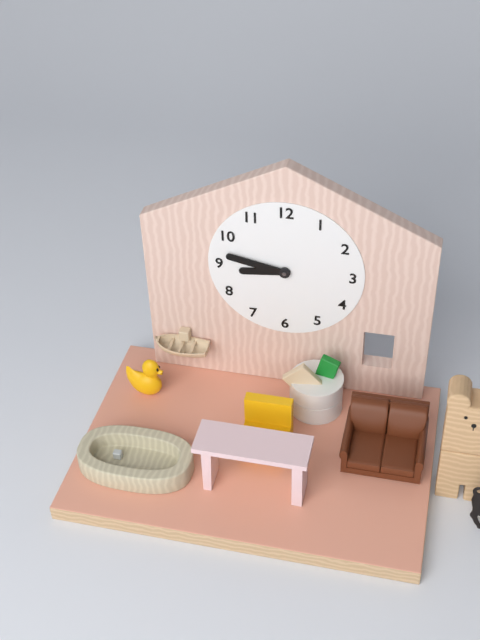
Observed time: 8h47
